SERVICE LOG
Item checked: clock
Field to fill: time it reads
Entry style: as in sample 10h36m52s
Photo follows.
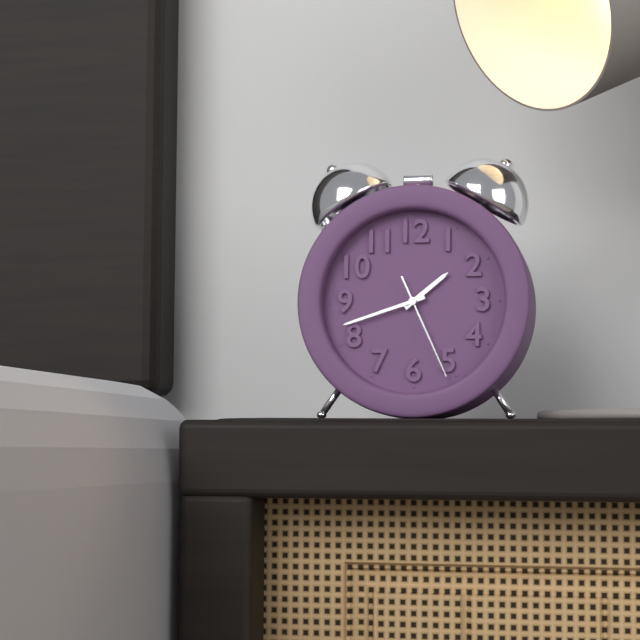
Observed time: 1h42m26s
